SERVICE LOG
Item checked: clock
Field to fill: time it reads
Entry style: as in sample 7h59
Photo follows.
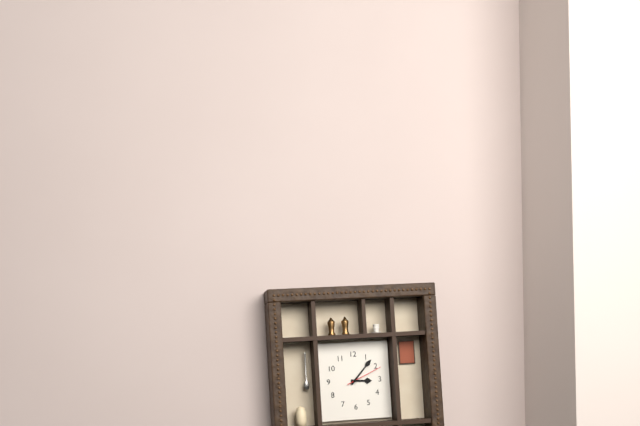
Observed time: 3h07
